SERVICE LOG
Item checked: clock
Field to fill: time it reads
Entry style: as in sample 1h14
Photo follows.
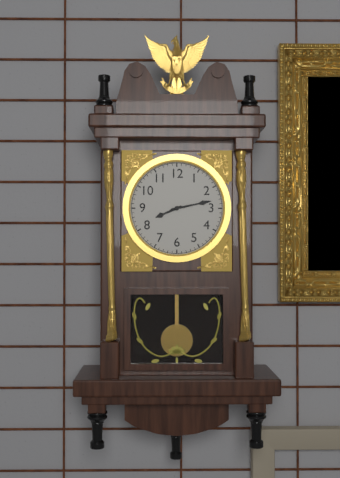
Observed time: 8h13
